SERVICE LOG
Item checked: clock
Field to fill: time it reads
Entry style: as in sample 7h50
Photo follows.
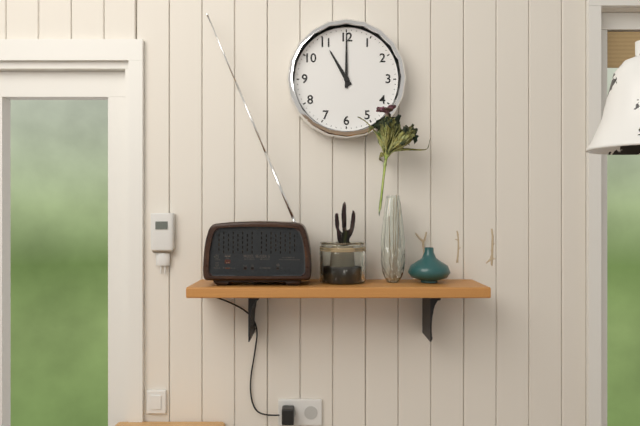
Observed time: 11h00
